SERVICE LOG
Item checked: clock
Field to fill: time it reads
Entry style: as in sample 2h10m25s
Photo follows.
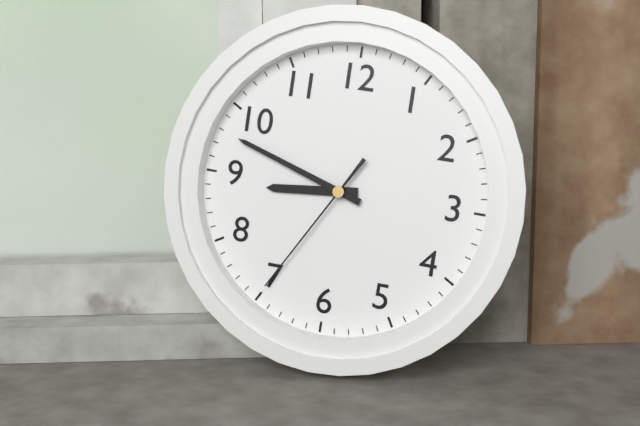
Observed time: 8h48m35s
